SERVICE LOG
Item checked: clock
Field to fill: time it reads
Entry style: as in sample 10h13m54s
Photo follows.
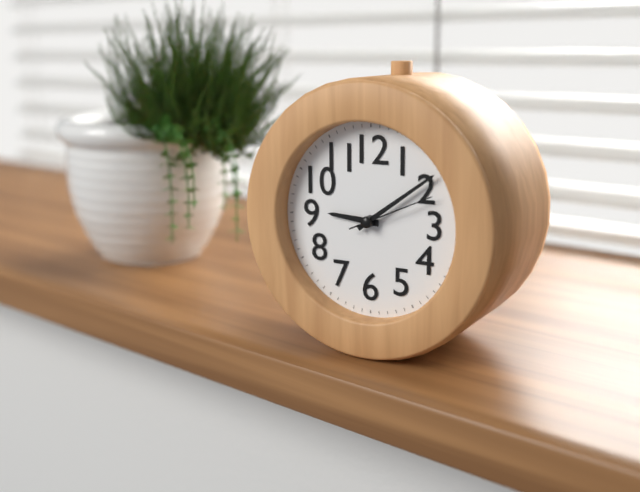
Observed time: 9h09m11s
